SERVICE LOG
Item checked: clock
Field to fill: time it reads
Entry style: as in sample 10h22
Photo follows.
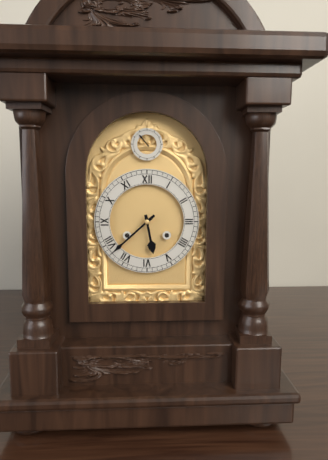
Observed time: 5h38
